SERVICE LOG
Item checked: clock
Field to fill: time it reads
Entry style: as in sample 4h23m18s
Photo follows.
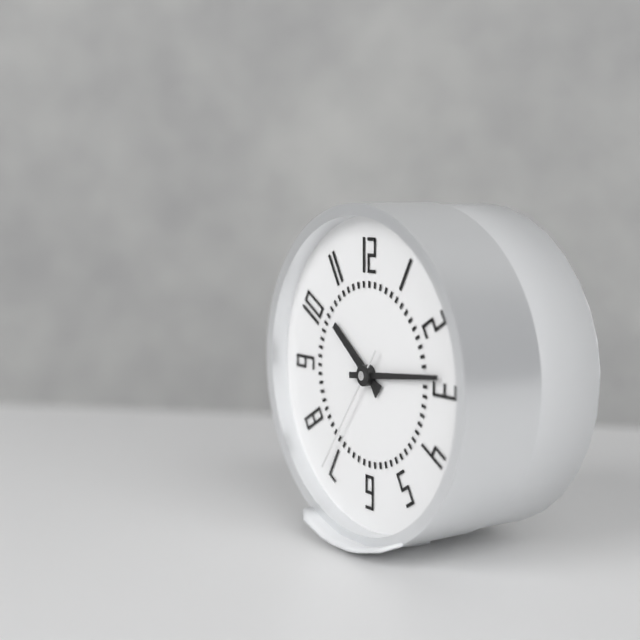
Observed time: 10h14m36s
